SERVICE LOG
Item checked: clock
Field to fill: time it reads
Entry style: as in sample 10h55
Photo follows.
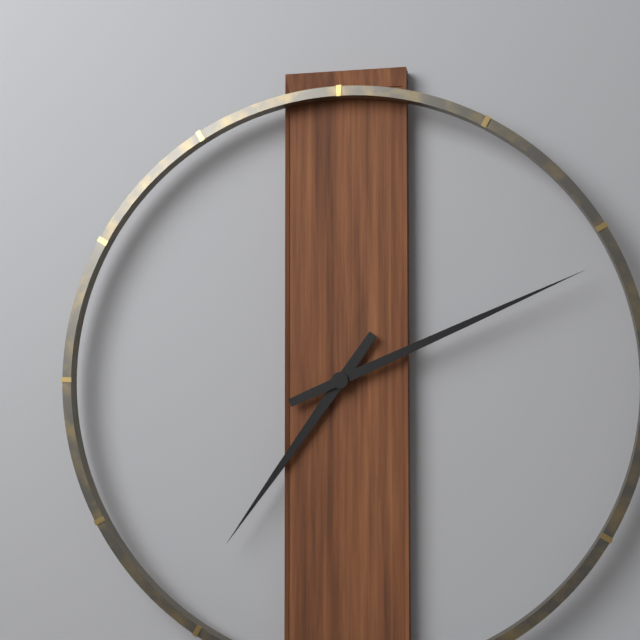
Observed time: 7h11
